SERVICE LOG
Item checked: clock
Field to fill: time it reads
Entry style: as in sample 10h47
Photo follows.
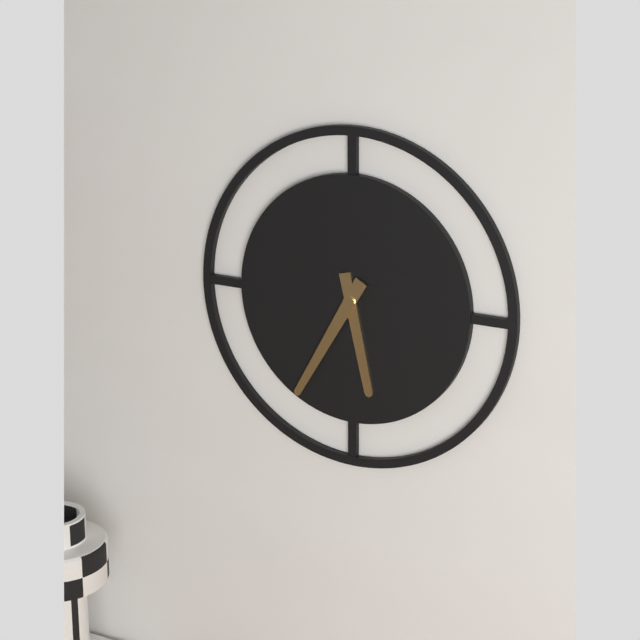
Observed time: 5h35
